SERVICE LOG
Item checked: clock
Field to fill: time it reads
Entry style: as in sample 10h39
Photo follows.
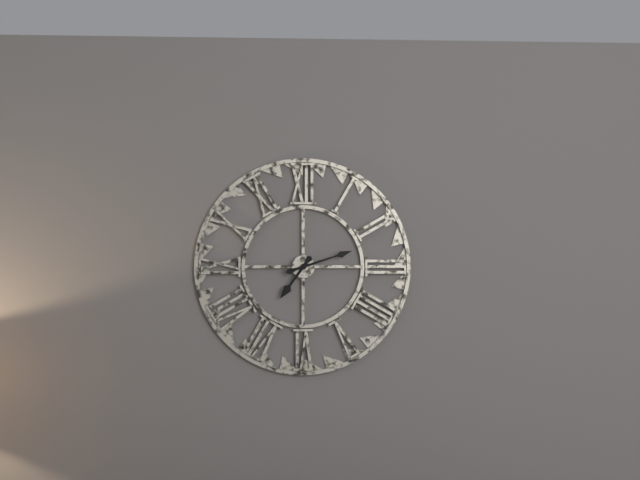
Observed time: 7h12
